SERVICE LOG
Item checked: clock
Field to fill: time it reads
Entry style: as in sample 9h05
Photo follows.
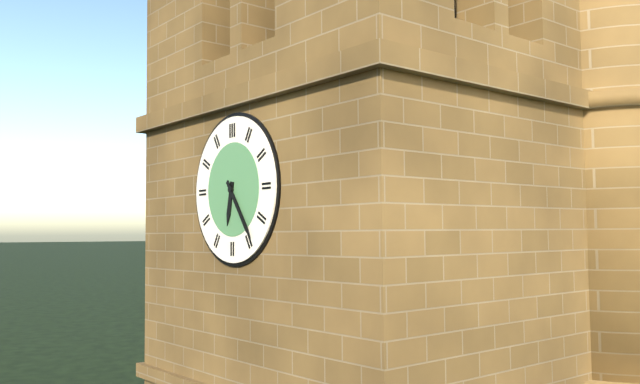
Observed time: 6h24
